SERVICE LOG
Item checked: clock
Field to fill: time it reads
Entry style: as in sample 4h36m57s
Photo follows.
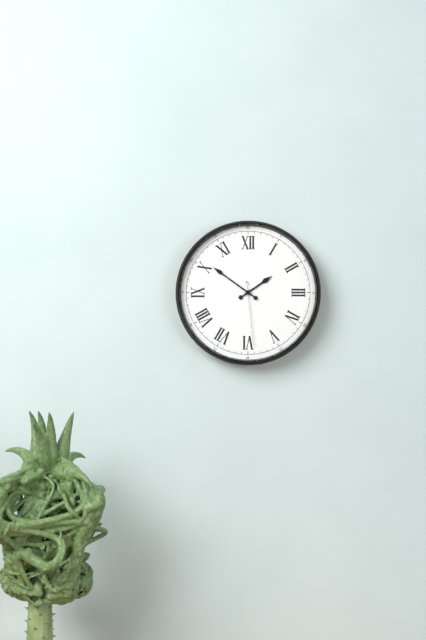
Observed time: 1h51m29s
